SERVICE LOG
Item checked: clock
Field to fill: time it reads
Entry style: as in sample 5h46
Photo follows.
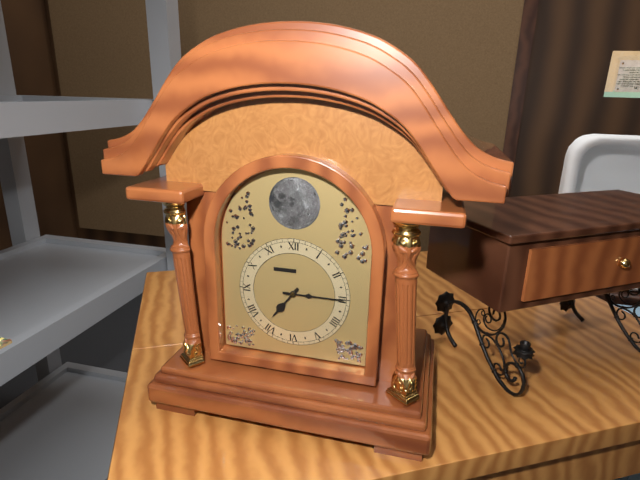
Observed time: 7h15
